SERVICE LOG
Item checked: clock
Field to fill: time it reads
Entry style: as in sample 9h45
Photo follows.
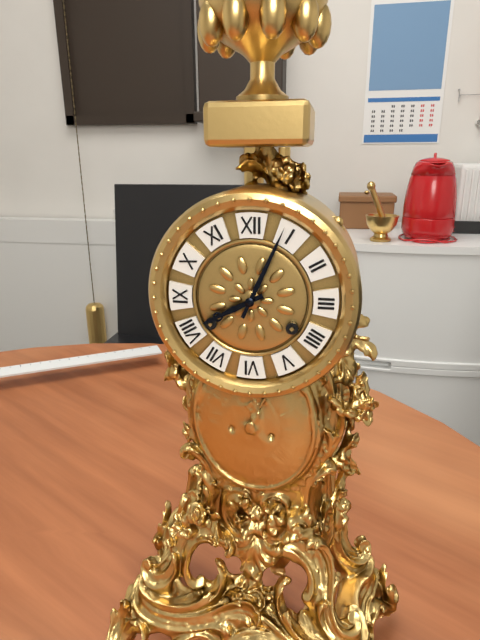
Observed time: 8h04
